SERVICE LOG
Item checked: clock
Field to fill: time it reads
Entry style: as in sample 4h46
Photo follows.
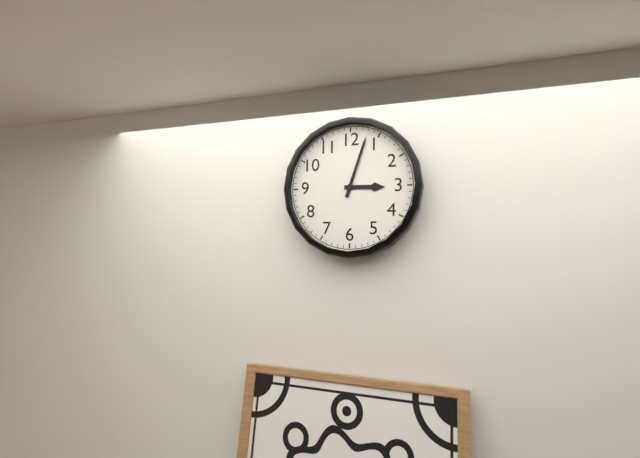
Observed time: 3h03
